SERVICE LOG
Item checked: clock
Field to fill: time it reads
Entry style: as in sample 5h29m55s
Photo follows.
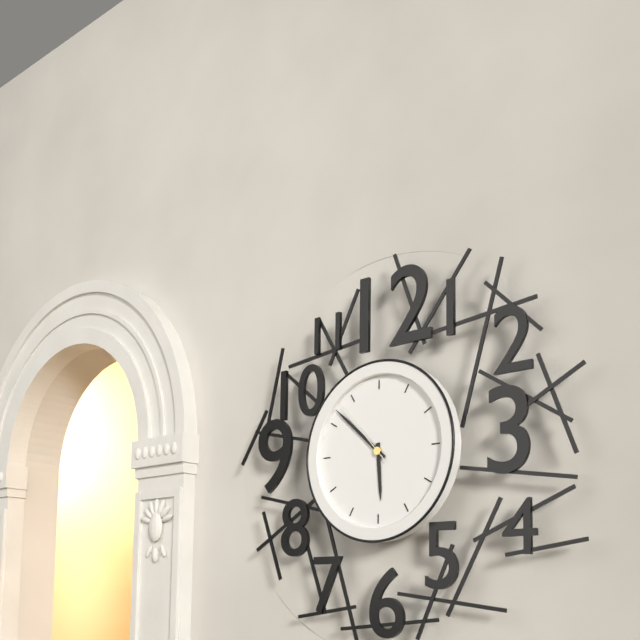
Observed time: 5h52m53s
